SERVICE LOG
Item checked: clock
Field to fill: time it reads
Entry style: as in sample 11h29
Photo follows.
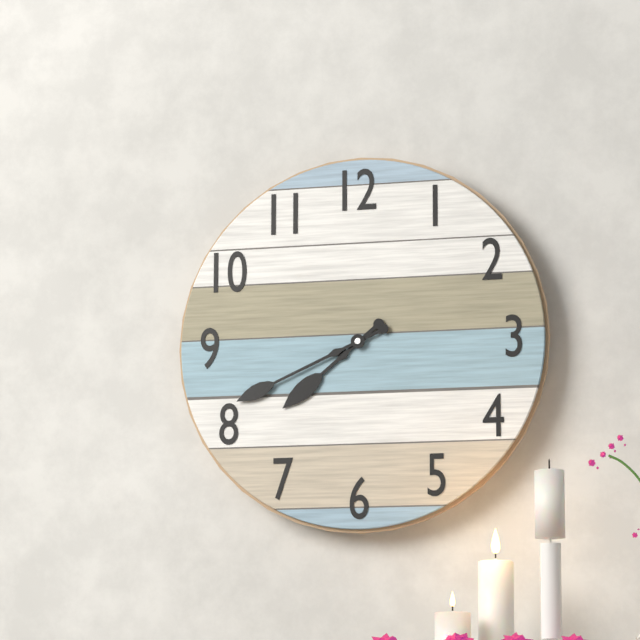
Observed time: 7h41
